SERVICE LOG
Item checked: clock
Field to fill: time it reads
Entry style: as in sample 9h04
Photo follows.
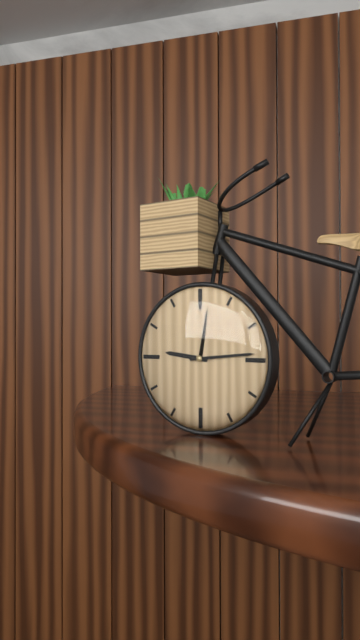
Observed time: 9h14
